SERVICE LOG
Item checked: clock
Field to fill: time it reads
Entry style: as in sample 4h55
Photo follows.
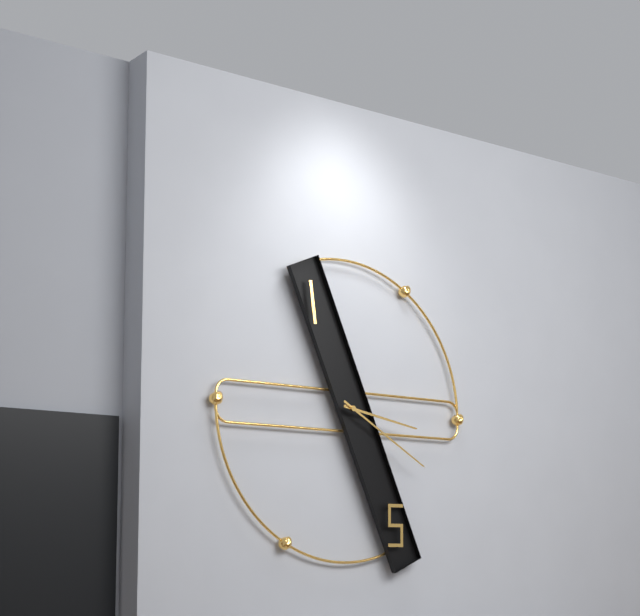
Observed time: 3h20
